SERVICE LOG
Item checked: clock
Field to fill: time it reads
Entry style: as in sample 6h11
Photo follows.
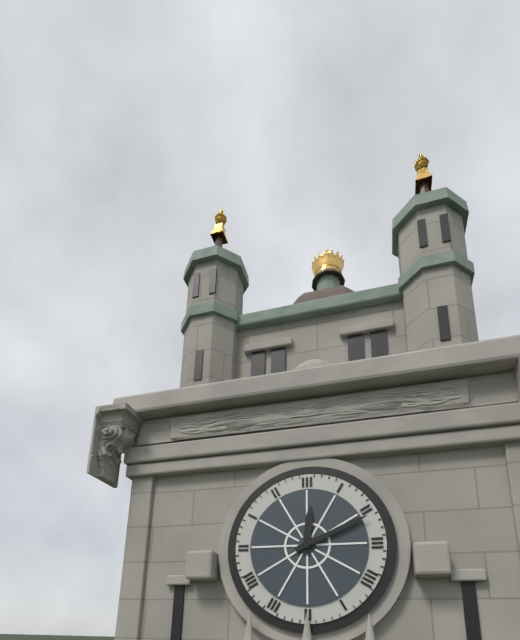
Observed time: 12h11
